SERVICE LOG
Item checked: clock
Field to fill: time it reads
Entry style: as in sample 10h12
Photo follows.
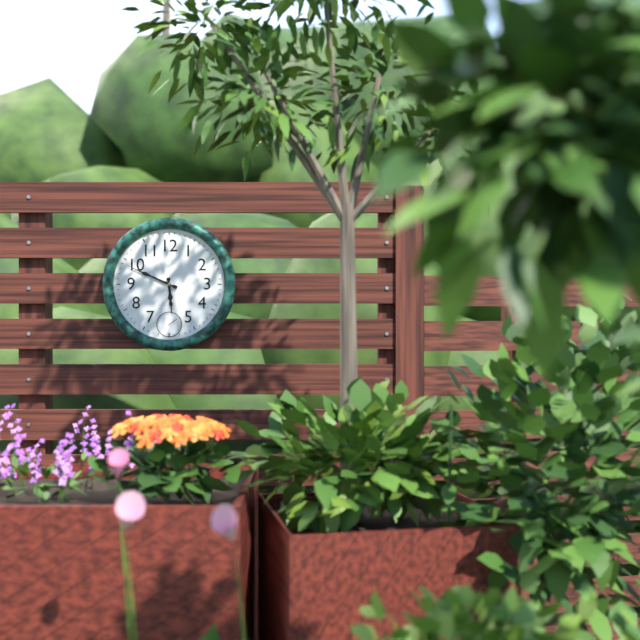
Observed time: 5h49
